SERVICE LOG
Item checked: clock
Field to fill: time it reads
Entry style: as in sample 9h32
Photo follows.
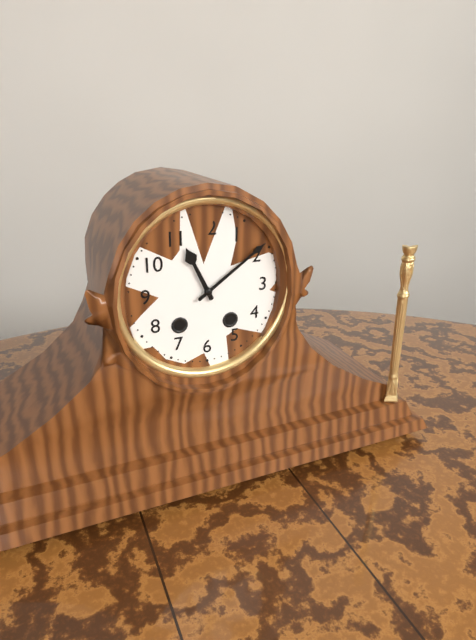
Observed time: 11h09
